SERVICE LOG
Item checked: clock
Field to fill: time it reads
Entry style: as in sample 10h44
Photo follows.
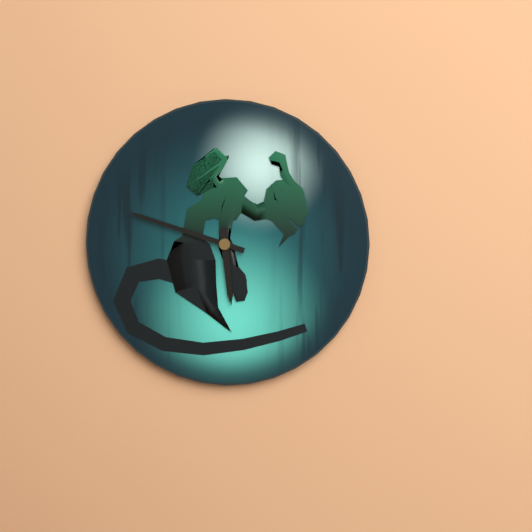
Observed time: 5h48
